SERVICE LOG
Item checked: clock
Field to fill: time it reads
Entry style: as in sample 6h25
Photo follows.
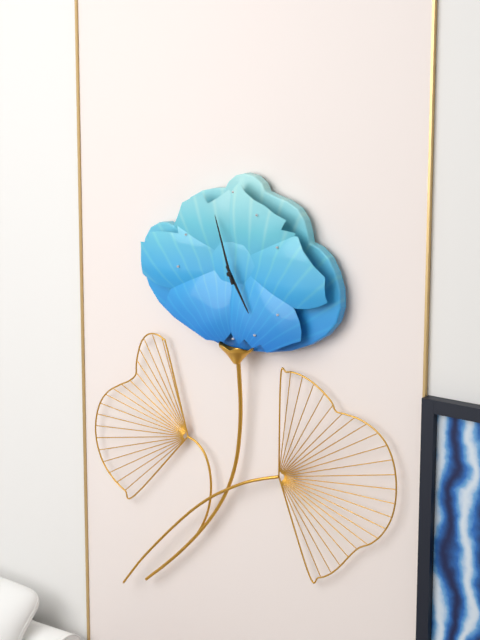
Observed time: 4h57
